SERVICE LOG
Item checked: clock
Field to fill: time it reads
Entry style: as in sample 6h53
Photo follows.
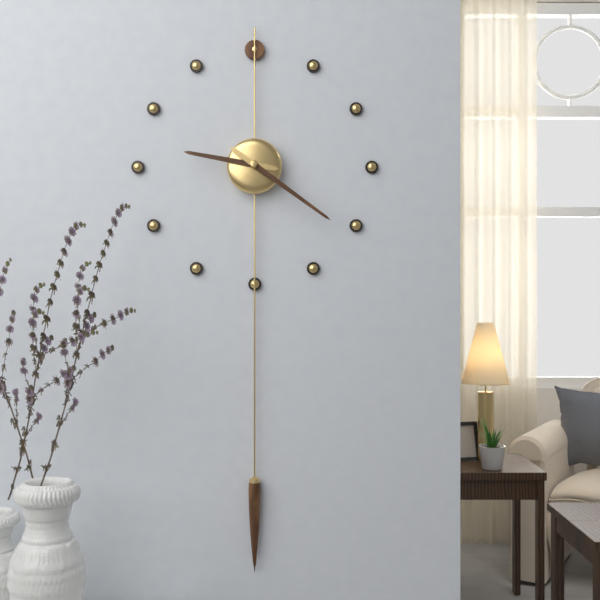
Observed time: 9h21
